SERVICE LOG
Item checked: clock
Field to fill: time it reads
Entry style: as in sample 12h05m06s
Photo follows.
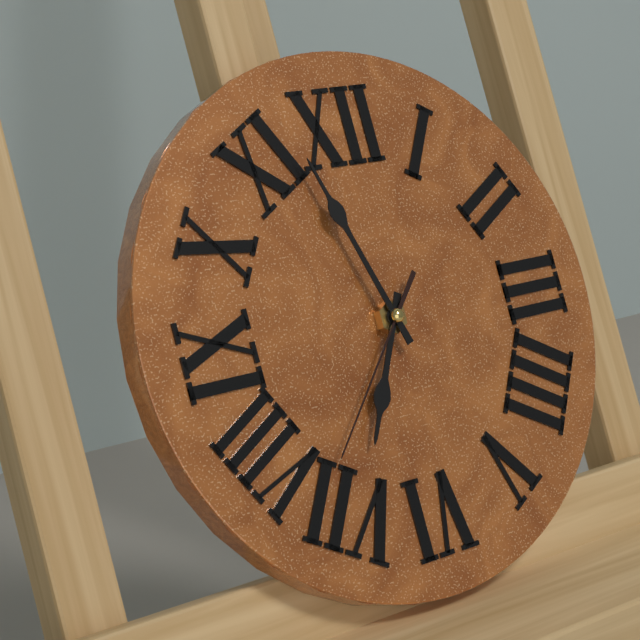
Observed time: 6h57m37s
